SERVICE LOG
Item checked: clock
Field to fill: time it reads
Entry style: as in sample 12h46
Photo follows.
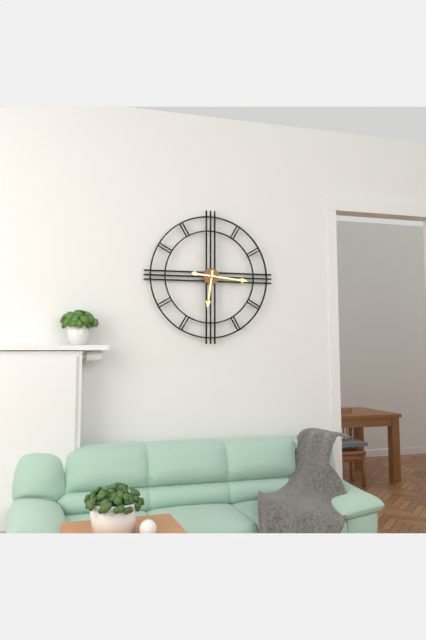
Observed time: 6h16
